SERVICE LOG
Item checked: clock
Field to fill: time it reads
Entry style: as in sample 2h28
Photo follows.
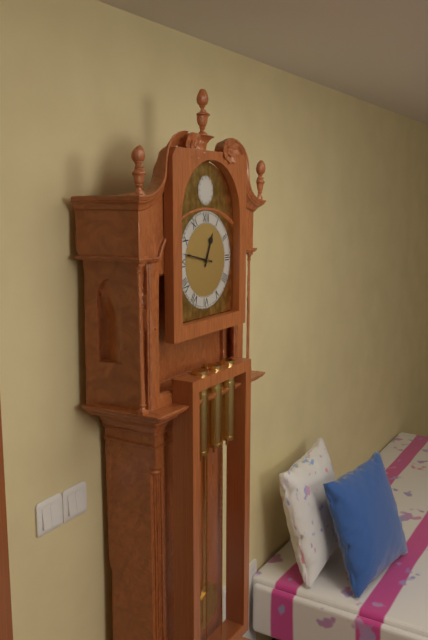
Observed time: 12h47
